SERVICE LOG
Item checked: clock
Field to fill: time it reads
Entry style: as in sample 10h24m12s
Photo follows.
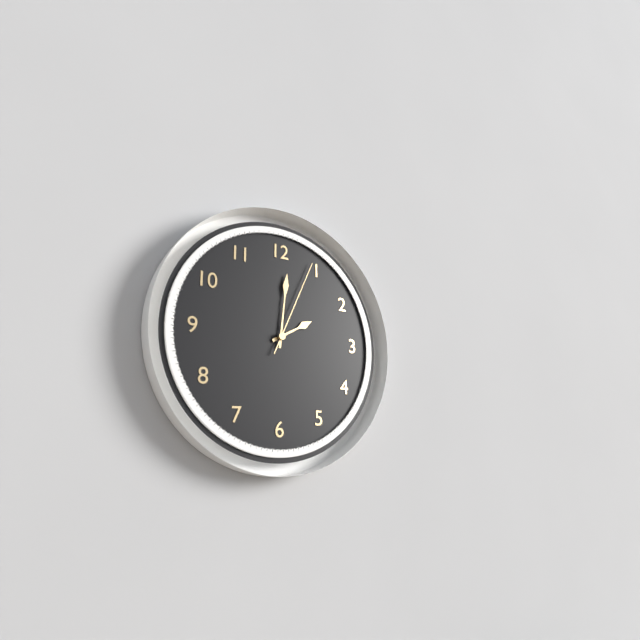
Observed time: 2h01m04s
